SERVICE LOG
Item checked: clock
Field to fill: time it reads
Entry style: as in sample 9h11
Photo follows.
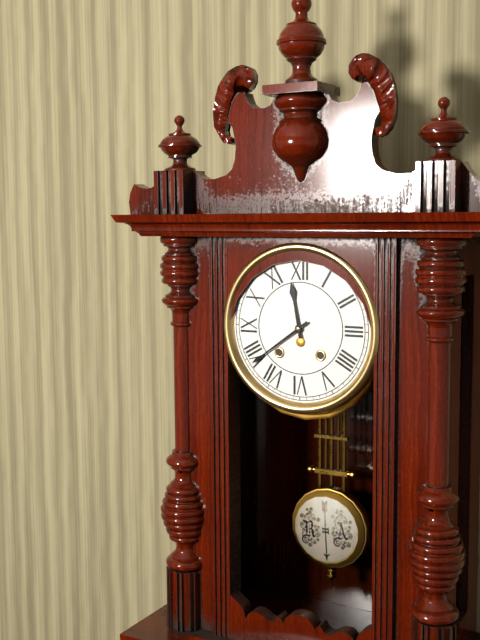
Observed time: 11h39
